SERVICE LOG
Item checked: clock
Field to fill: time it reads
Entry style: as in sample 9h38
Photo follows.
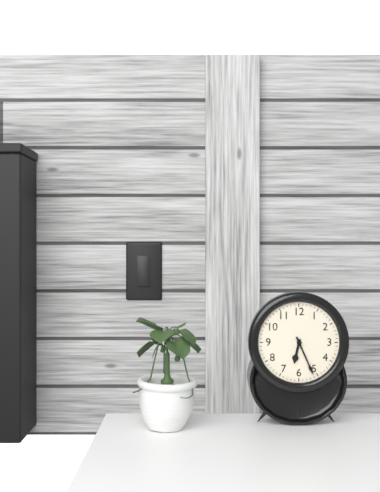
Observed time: 6h26
